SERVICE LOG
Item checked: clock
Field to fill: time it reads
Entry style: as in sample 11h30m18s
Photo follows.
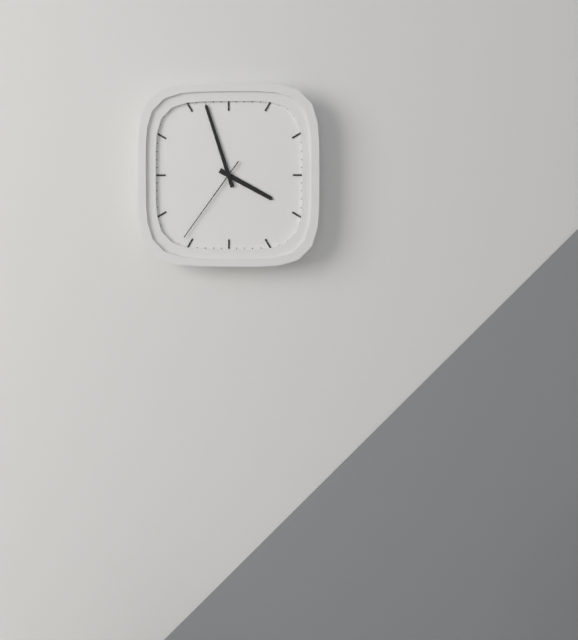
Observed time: 3h57m36s
